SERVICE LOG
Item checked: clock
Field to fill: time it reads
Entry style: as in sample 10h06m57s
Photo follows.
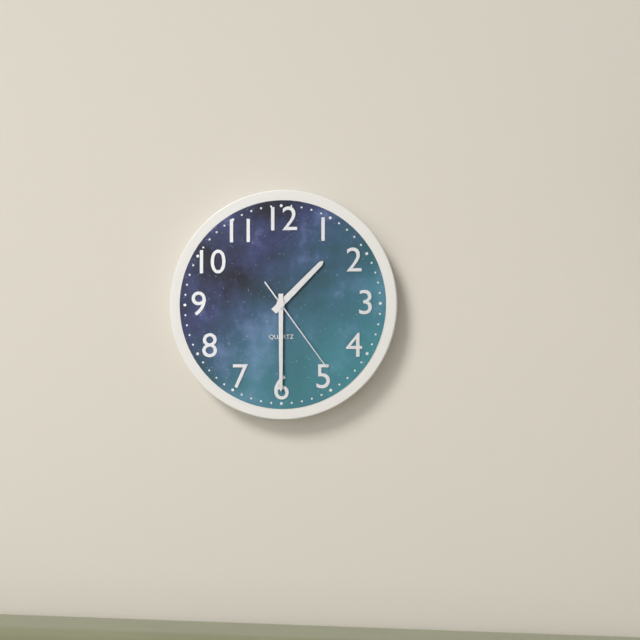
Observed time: 1h30m24s
